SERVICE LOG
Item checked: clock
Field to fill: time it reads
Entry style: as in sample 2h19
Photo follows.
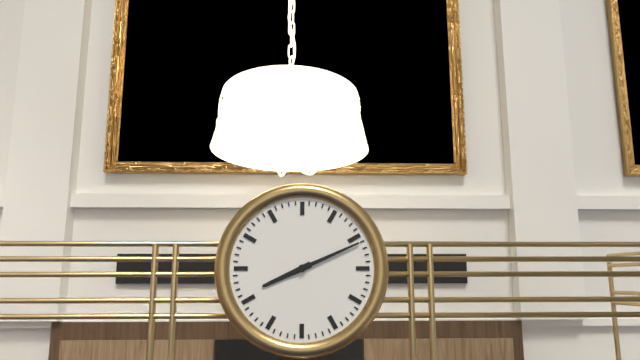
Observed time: 8h11
